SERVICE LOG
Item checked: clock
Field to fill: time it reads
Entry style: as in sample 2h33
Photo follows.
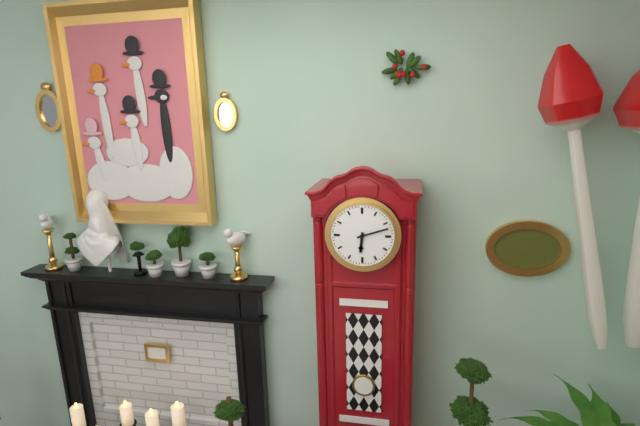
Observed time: 6h12
